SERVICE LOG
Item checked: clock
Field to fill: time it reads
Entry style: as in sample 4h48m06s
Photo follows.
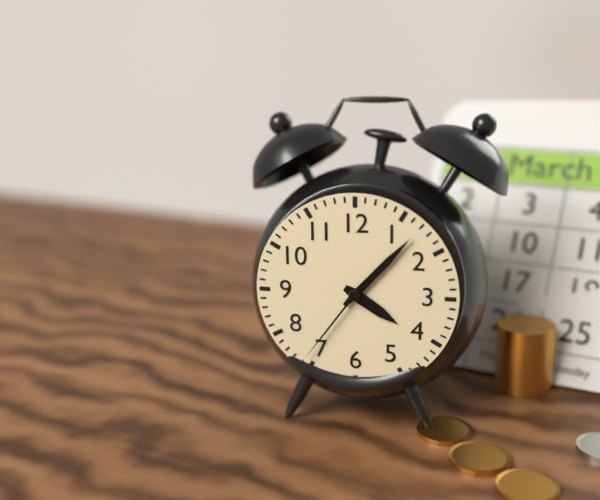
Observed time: 4h07m36s
